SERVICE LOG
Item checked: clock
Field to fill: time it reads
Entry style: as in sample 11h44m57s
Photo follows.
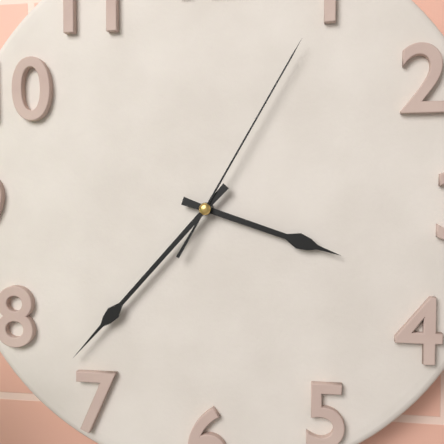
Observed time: 3h37m05s
